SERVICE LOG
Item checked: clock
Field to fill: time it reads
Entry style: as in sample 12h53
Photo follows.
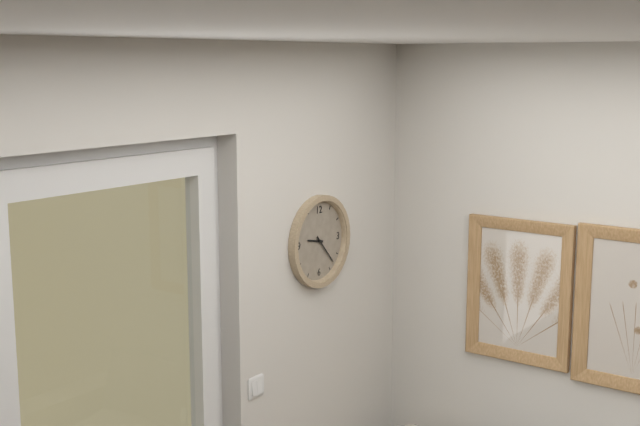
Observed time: 9h23
